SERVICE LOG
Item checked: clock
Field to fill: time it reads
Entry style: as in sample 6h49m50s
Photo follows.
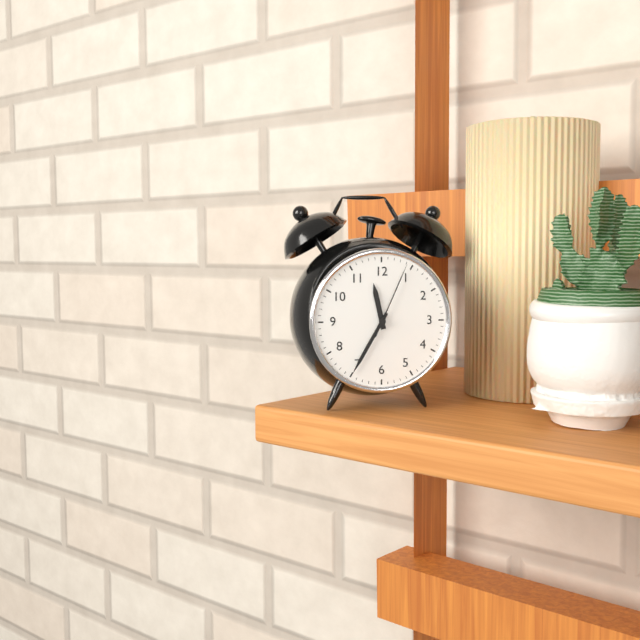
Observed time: 11h35m04s
